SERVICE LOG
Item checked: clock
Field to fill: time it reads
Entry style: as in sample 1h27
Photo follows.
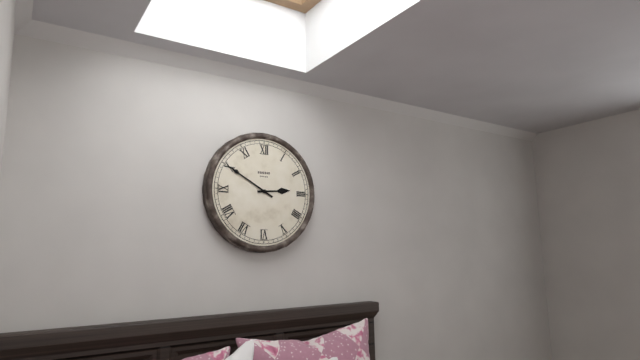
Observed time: 2h50
